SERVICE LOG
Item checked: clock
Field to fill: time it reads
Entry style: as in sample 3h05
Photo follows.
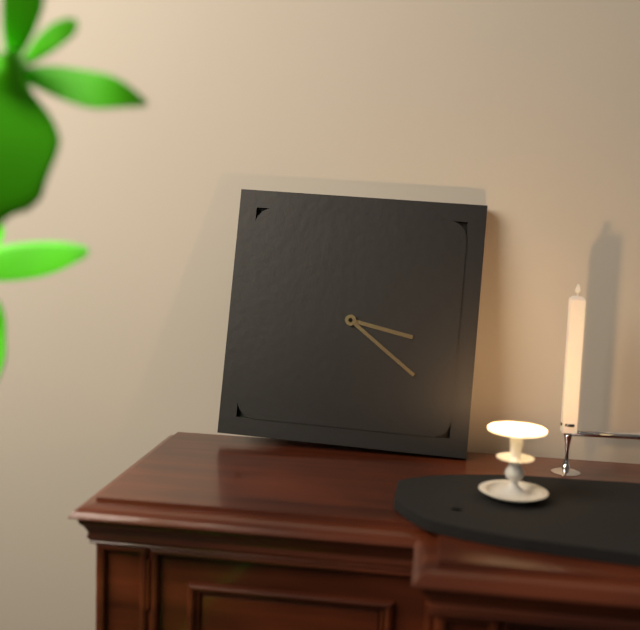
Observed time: 3h21
